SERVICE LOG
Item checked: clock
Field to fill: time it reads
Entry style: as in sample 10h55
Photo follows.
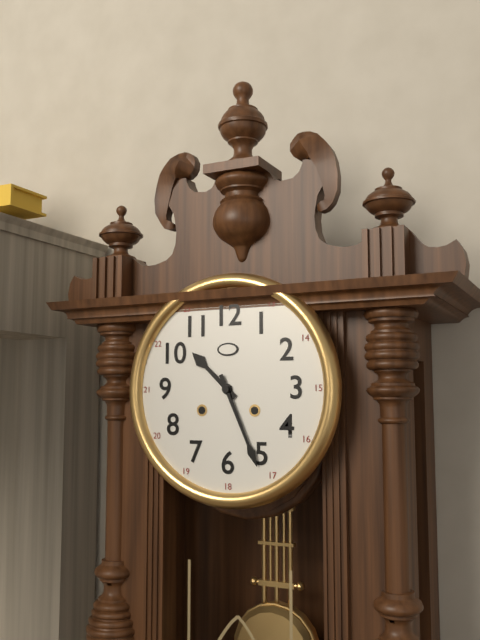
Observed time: 10h26
